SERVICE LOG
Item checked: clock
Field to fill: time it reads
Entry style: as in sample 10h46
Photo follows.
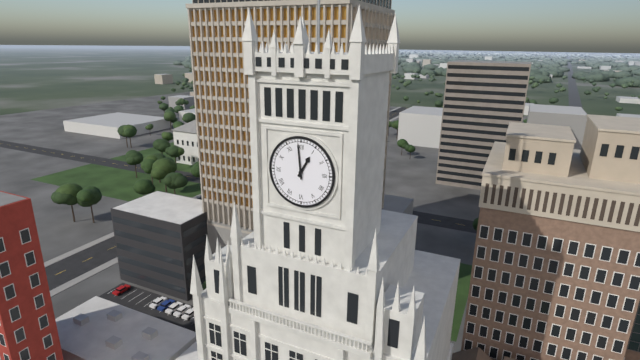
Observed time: 12h59
